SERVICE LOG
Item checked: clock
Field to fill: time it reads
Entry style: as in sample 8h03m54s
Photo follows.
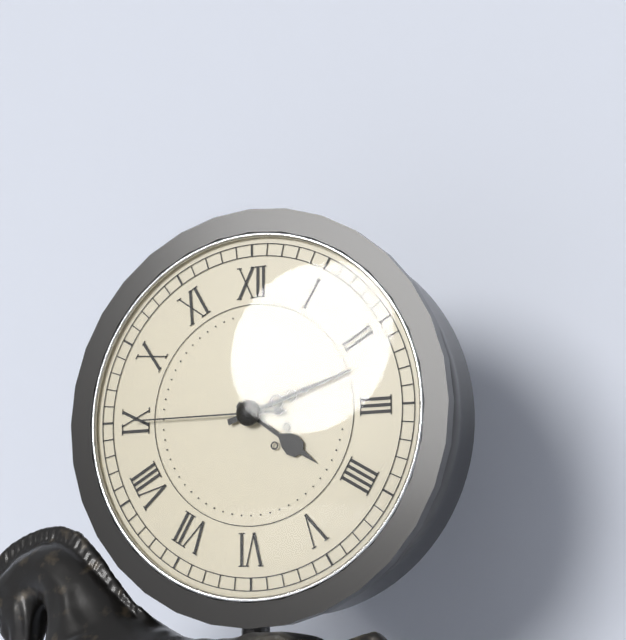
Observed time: 4h12m45s
